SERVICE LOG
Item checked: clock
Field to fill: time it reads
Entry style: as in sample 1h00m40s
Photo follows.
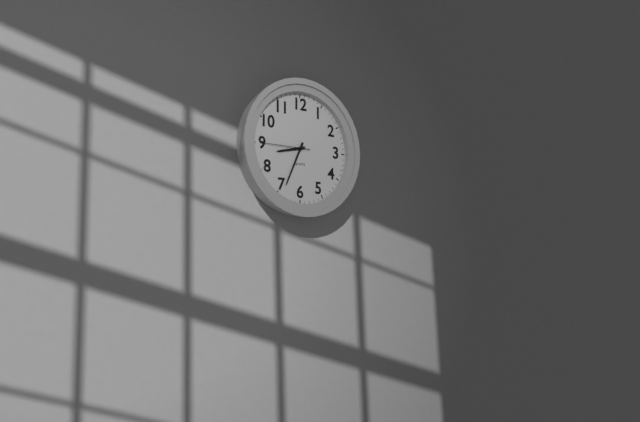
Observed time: 8h34m45s
